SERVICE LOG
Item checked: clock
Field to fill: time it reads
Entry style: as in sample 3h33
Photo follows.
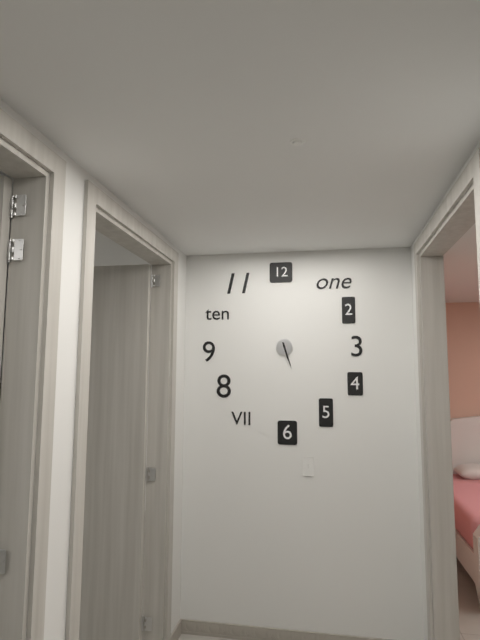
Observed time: 5h27
